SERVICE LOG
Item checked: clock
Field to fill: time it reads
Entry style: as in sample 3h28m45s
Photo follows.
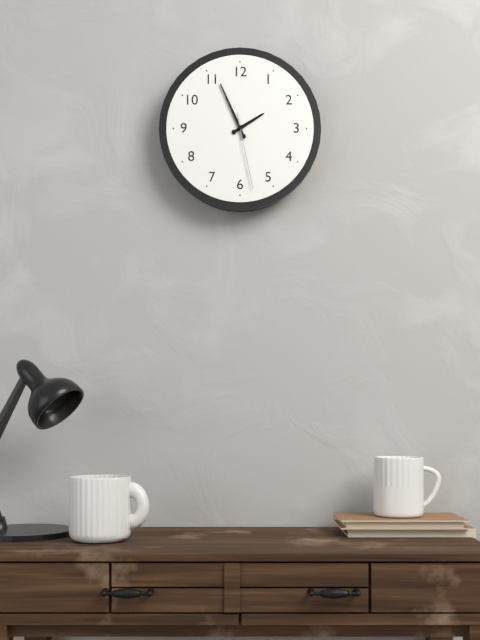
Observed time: 1h56m28s
